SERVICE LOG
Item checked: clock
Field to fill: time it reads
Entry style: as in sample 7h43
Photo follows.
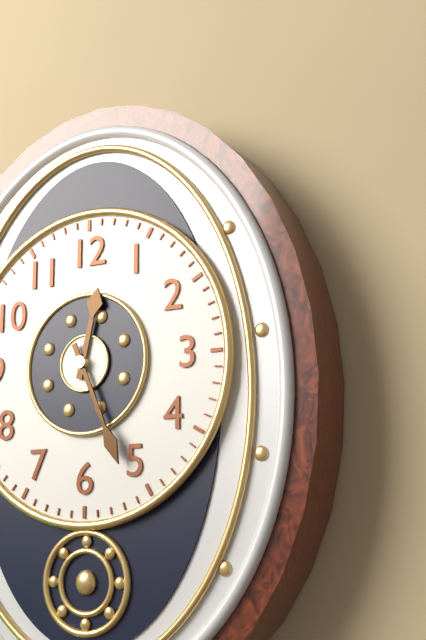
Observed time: 12h26
